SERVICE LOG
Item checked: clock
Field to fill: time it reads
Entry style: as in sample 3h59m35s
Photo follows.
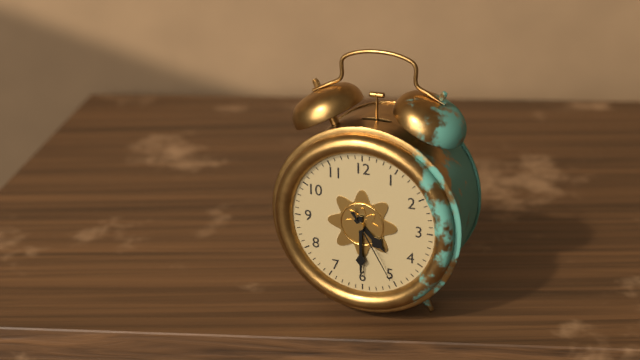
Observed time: 4h30m25s
